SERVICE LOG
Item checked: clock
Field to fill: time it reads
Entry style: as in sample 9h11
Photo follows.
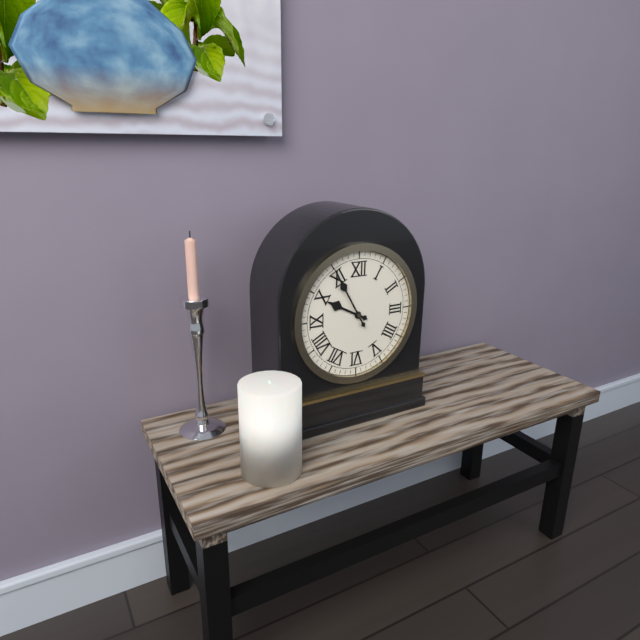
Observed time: 9h55
